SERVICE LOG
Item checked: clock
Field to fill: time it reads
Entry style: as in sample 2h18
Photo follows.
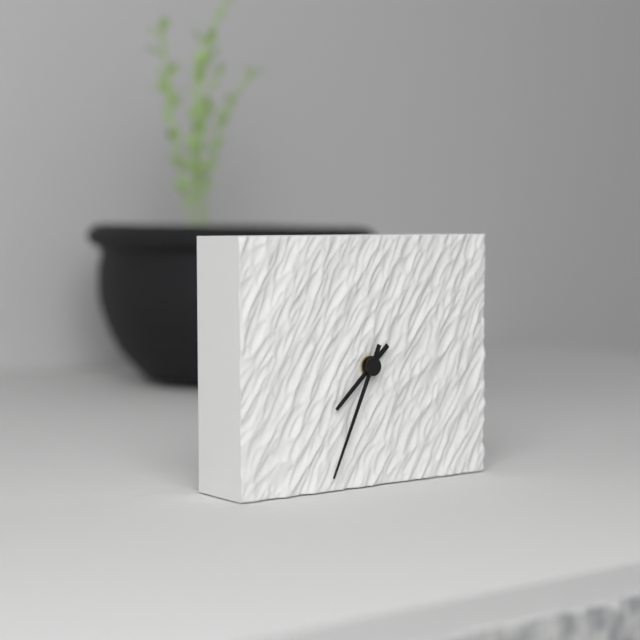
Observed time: 7h34
